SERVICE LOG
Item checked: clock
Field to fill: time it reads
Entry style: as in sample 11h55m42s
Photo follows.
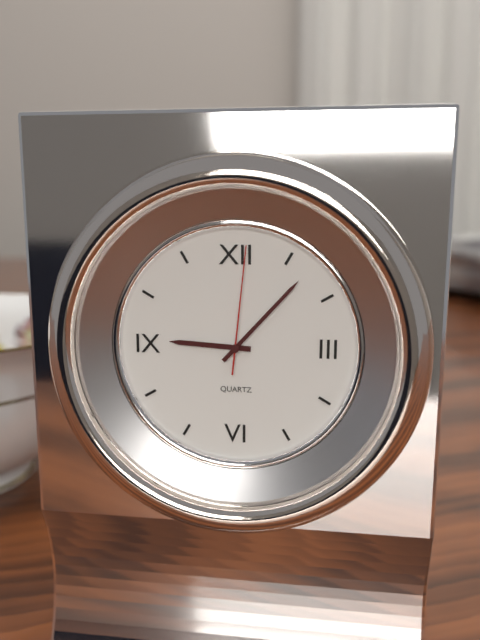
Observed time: 9h07m01s
